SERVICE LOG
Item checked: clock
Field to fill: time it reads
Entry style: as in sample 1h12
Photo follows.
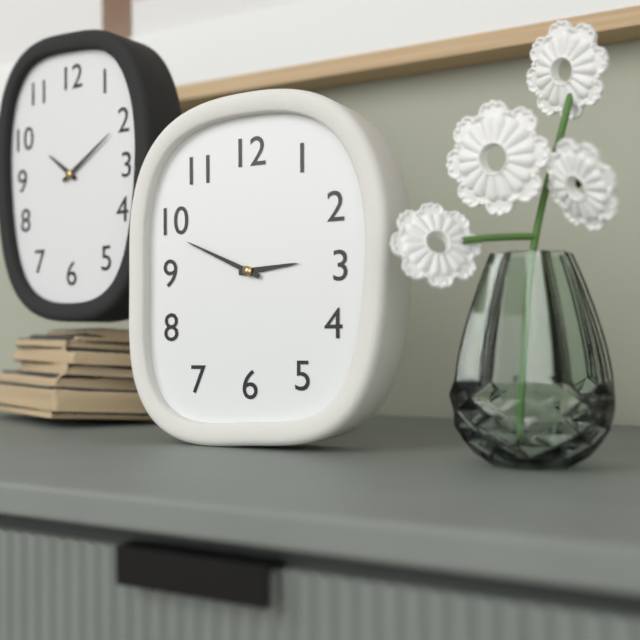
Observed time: 2h49
